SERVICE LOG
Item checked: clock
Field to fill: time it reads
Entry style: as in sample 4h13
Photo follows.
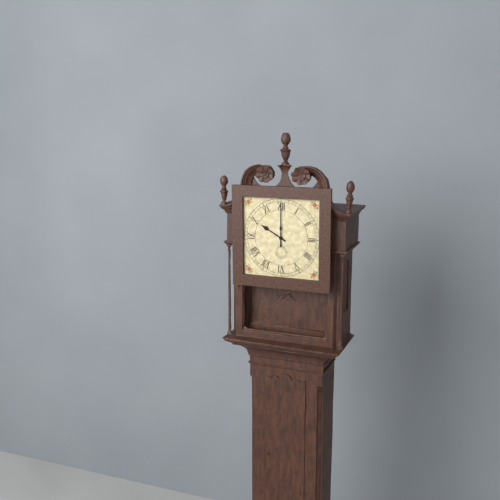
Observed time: 10h00
